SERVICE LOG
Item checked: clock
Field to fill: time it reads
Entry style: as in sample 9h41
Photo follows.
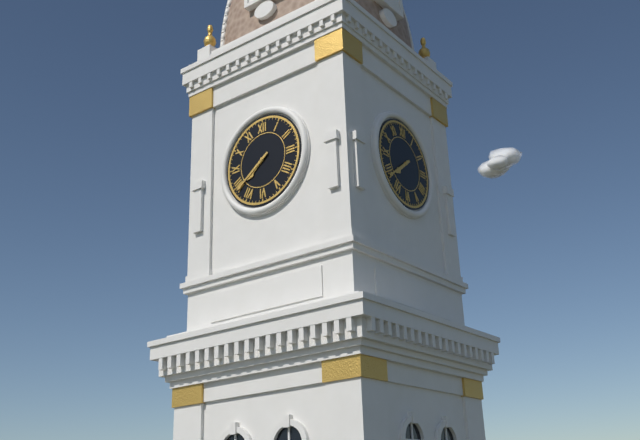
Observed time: 7h39
